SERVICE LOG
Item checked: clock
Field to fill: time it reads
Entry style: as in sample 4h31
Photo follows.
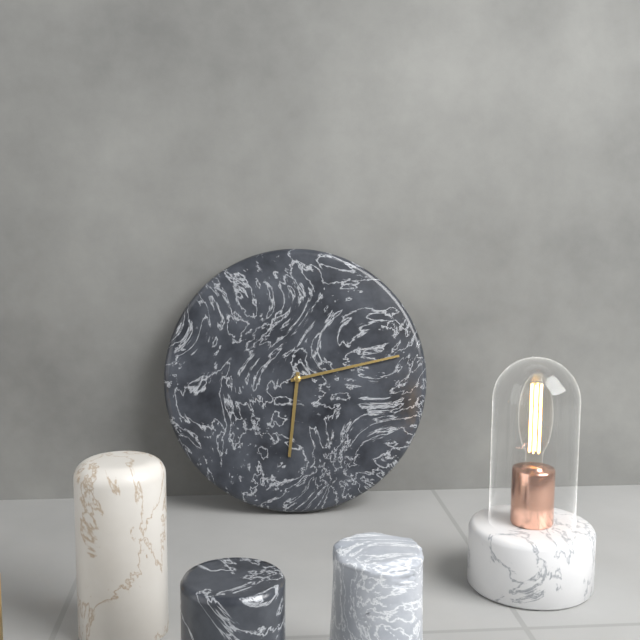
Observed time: 6h13
